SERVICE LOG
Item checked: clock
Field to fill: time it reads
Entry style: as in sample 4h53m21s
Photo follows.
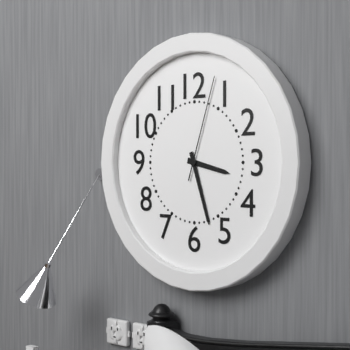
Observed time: 3h27m03s
